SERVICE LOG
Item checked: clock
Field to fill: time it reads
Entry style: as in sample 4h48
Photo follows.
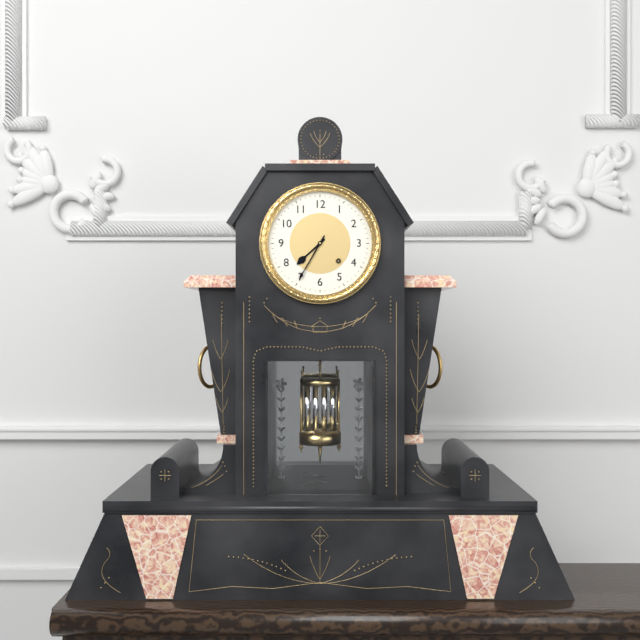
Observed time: 7h35
